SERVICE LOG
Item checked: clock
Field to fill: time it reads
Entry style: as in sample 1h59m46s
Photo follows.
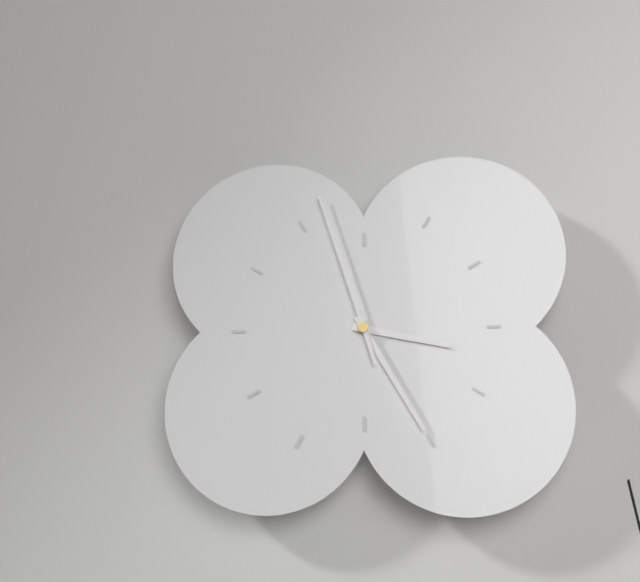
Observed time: 3h25m57s
